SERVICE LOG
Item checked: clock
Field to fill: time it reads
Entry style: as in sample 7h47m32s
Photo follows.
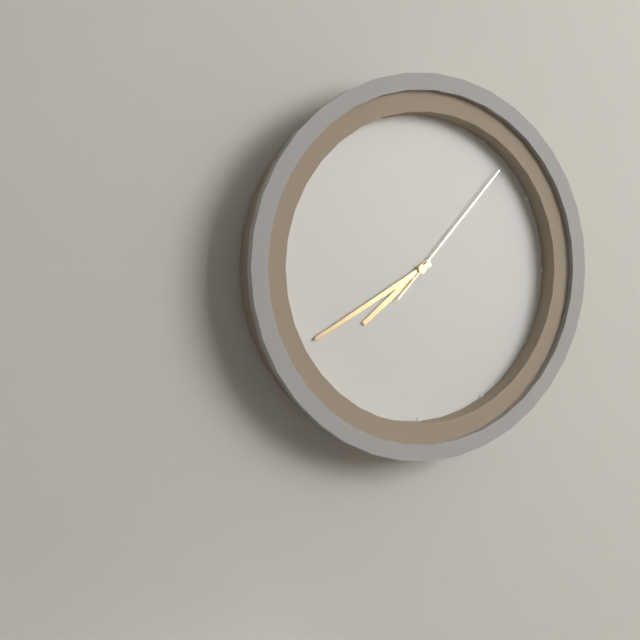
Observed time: 7h40m07s
